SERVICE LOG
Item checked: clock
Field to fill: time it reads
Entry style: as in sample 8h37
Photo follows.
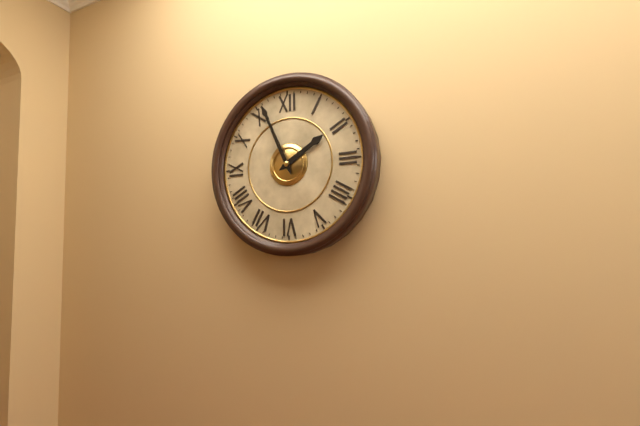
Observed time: 1h56
